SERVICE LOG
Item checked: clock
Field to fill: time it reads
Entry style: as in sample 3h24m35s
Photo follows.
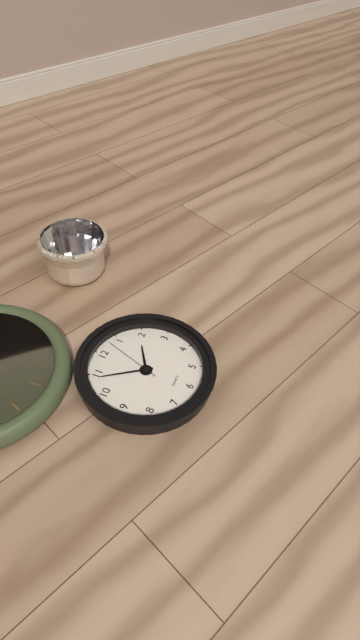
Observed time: 1h54m03s
